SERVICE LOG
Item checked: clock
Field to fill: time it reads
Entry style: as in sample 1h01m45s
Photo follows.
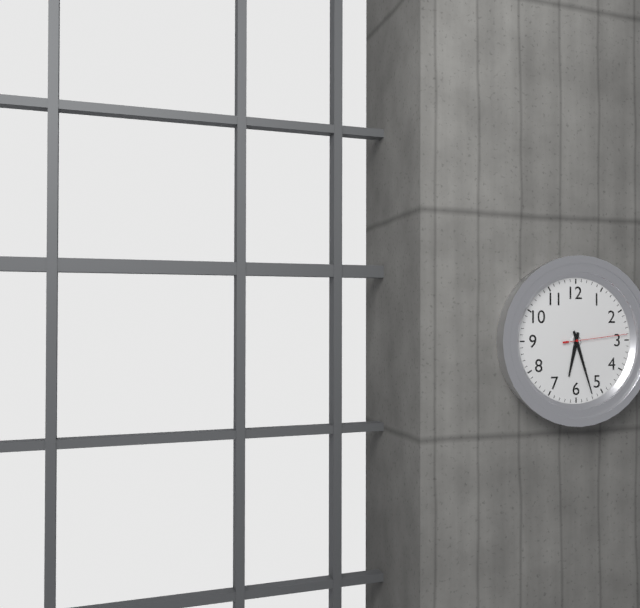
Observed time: 6h27m14s
